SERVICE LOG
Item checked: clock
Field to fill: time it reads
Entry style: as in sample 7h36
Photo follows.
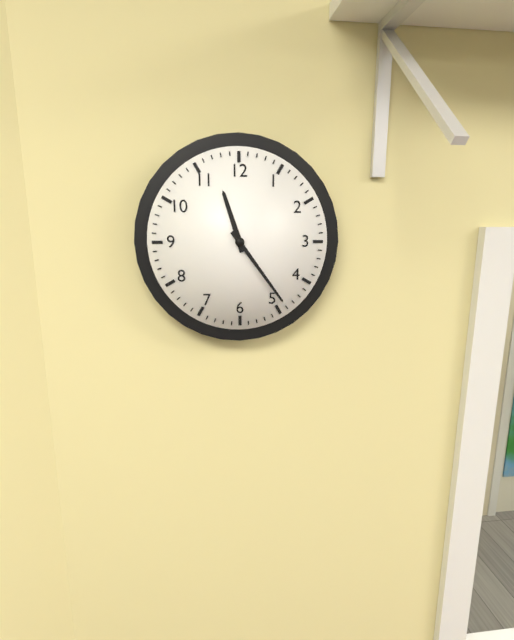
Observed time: 11h24
